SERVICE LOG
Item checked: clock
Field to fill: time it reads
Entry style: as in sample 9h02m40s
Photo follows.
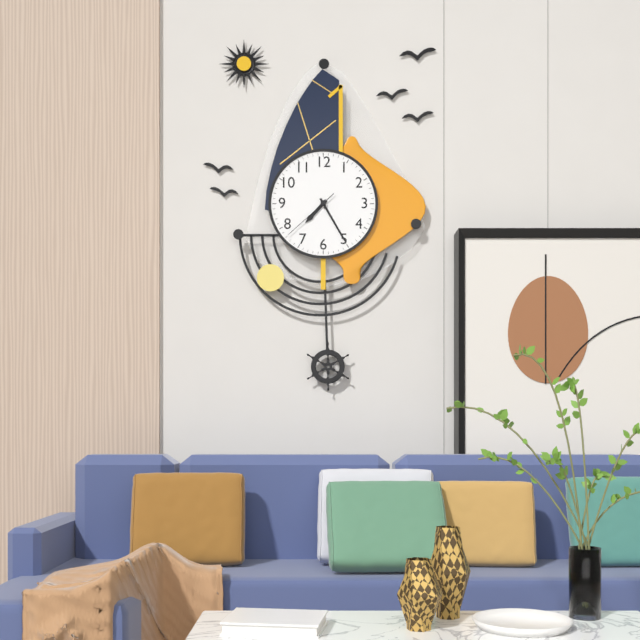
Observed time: 7h25m38s
